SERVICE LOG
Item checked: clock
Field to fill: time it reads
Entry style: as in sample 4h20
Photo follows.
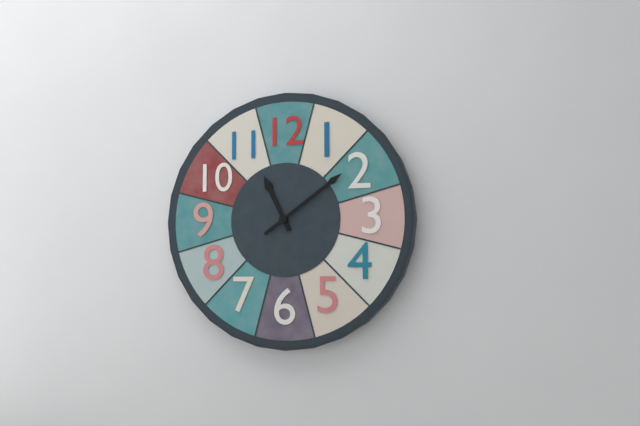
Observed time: 11h09
